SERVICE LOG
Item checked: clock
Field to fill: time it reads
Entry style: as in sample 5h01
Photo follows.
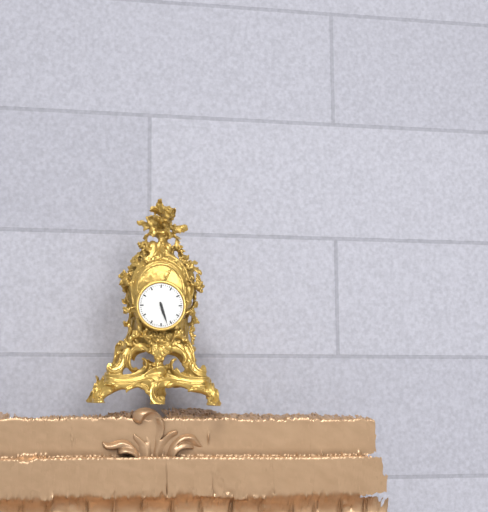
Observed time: 5h27
